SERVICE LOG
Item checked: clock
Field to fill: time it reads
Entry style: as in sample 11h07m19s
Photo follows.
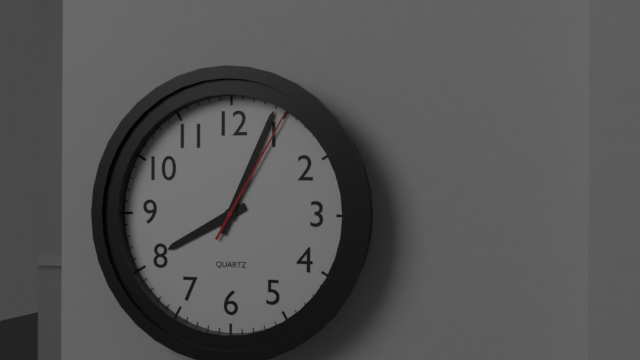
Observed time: 8h04m05s
